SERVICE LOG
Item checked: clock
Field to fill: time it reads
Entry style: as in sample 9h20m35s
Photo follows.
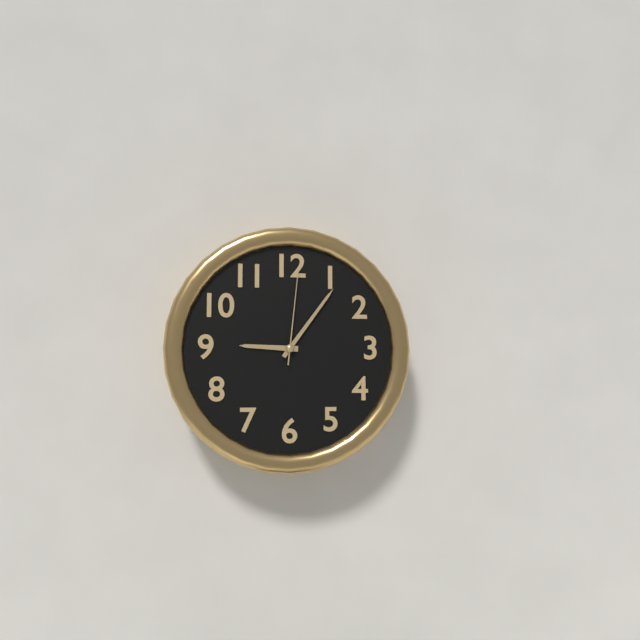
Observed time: 9h06m01s
